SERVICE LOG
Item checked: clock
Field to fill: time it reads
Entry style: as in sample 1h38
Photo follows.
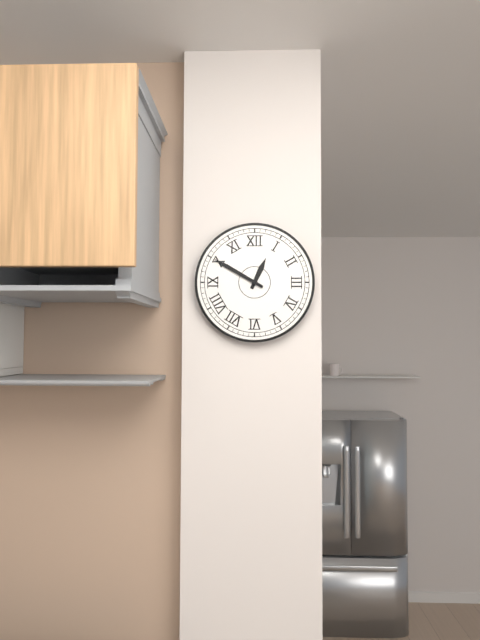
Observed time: 12h50
